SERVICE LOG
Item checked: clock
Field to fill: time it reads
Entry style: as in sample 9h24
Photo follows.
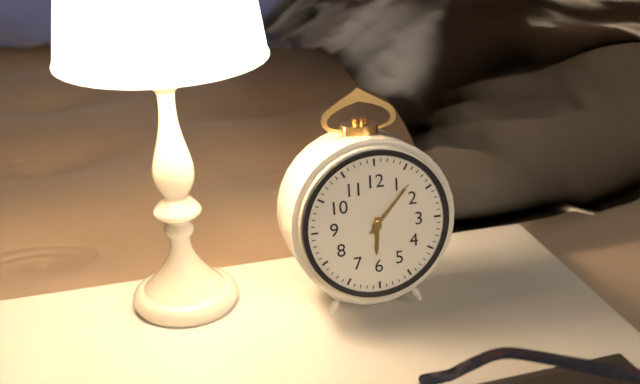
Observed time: 6h07
